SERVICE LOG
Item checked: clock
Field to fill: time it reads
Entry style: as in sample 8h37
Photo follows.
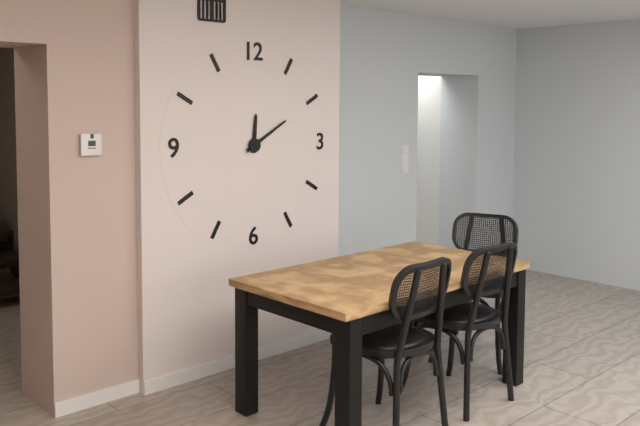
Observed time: 12h10
